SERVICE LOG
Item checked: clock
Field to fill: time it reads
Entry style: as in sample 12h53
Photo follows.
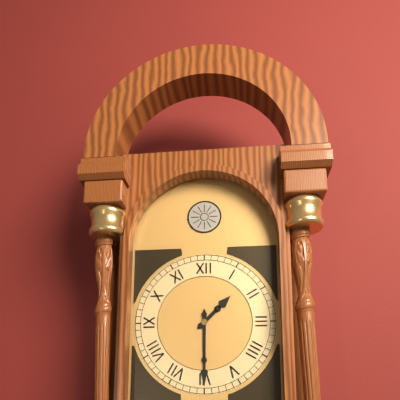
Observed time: 1h30
